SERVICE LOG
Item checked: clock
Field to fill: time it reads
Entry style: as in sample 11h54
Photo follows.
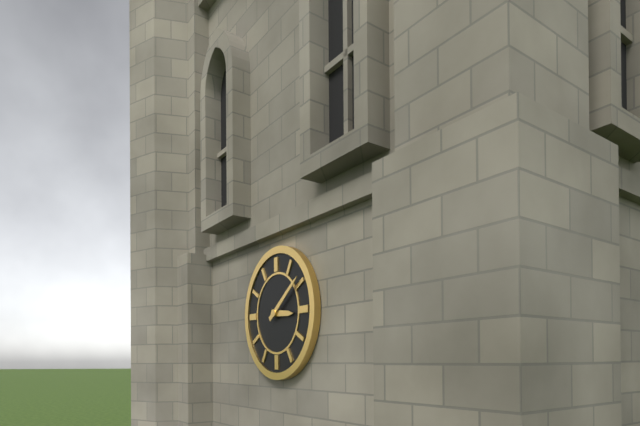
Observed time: 3h09
